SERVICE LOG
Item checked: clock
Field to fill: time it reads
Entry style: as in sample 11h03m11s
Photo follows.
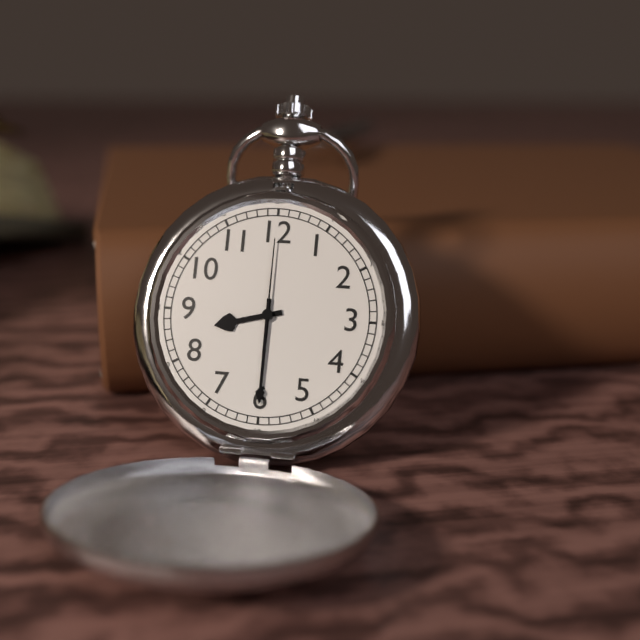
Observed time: 8h30m00s
